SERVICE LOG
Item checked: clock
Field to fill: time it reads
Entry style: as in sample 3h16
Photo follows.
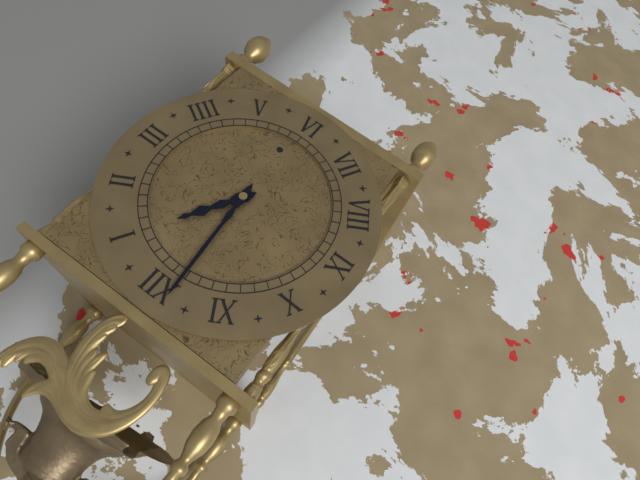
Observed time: 12h59
